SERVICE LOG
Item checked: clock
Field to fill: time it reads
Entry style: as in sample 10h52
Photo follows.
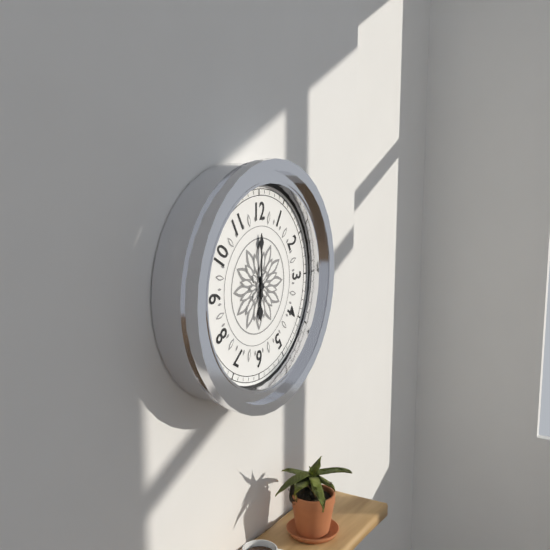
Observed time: 6h00
